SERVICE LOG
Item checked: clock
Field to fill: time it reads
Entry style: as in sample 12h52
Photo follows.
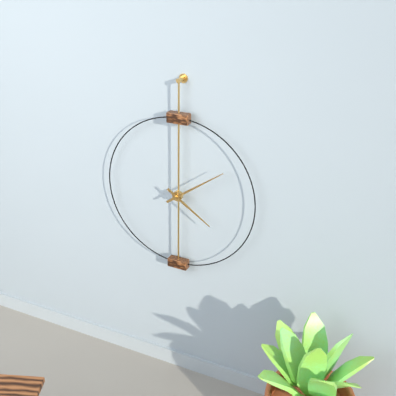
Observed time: 4h09
